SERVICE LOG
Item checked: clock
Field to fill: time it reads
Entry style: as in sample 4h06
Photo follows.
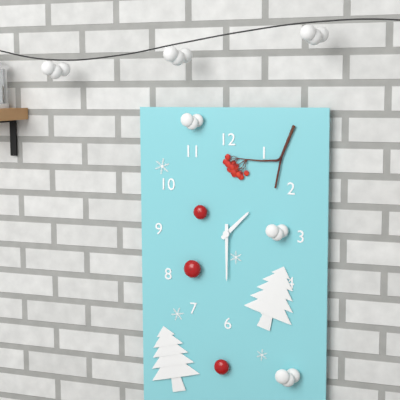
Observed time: 1h30
